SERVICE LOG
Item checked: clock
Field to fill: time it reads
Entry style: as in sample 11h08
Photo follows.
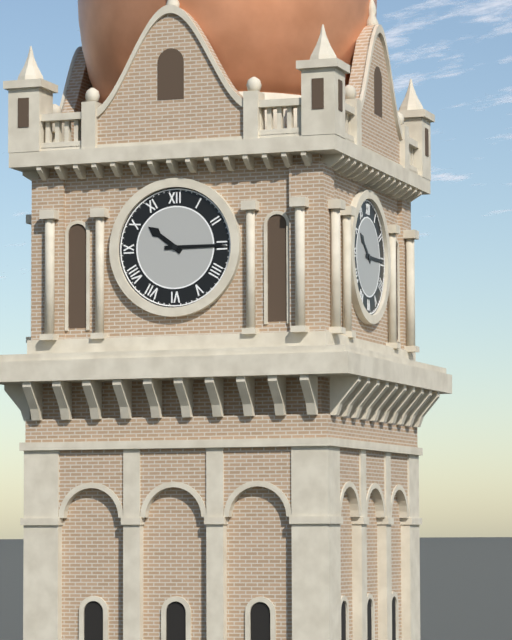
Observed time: 10h15
